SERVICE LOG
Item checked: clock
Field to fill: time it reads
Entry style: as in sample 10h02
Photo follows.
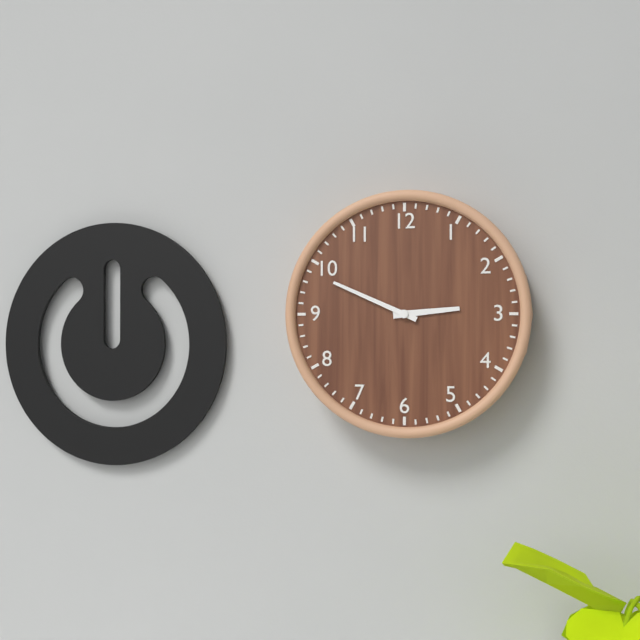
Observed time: 2h49
